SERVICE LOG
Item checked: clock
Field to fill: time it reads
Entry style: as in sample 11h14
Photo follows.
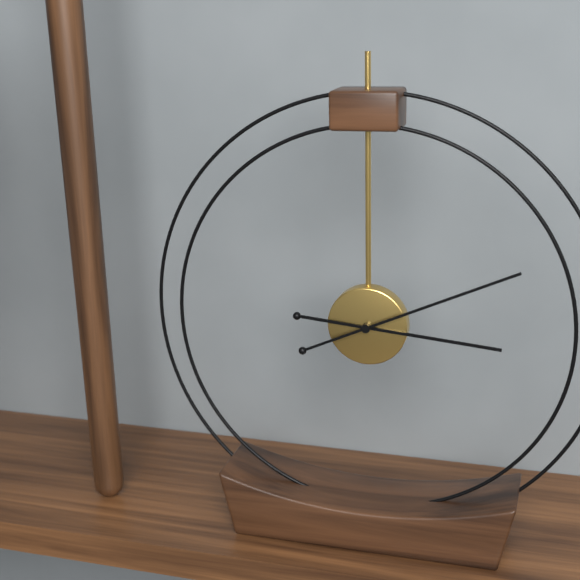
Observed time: 3h11
